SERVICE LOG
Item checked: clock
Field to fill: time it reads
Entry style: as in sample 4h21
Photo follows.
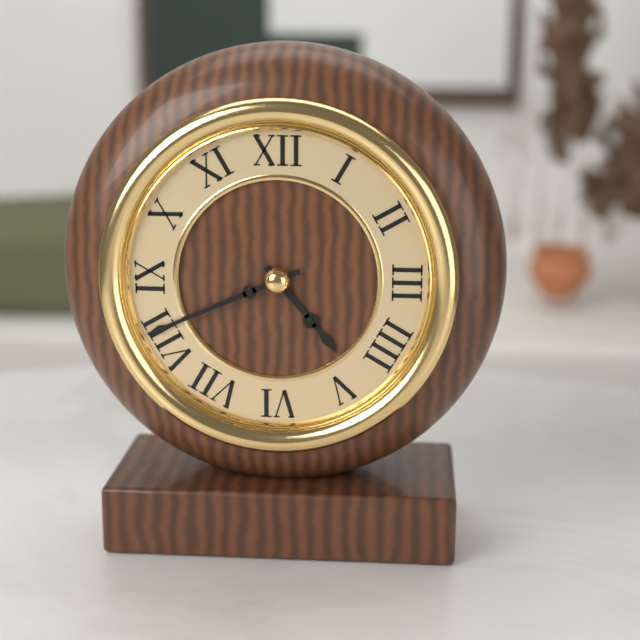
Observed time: 4h41
